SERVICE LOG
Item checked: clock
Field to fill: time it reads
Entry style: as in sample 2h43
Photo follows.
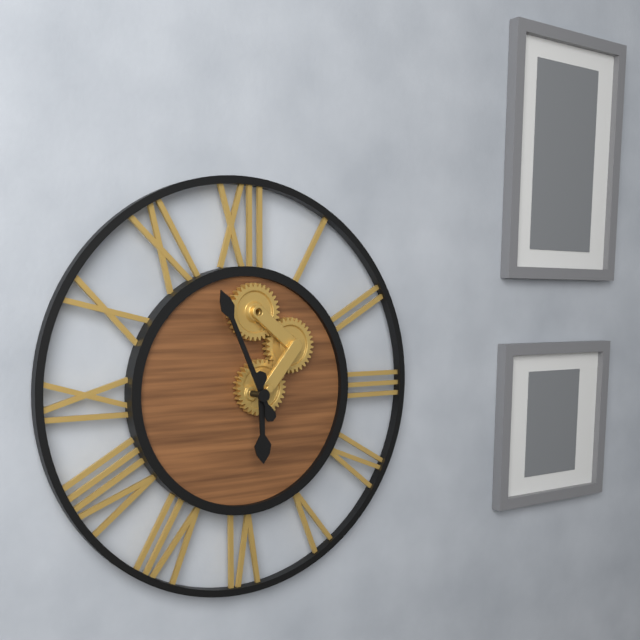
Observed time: 5h56
